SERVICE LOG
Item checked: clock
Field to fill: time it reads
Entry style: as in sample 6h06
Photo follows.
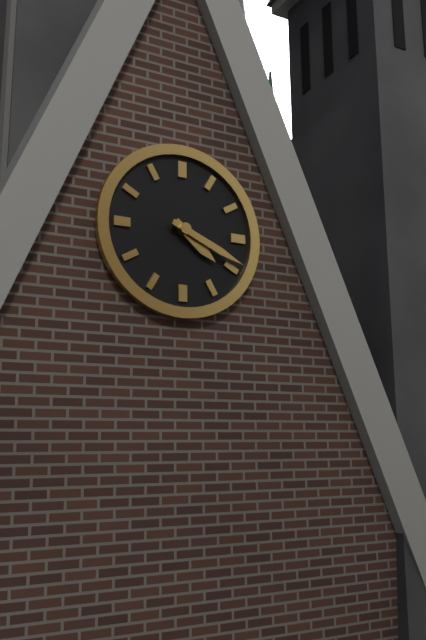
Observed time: 4h19
